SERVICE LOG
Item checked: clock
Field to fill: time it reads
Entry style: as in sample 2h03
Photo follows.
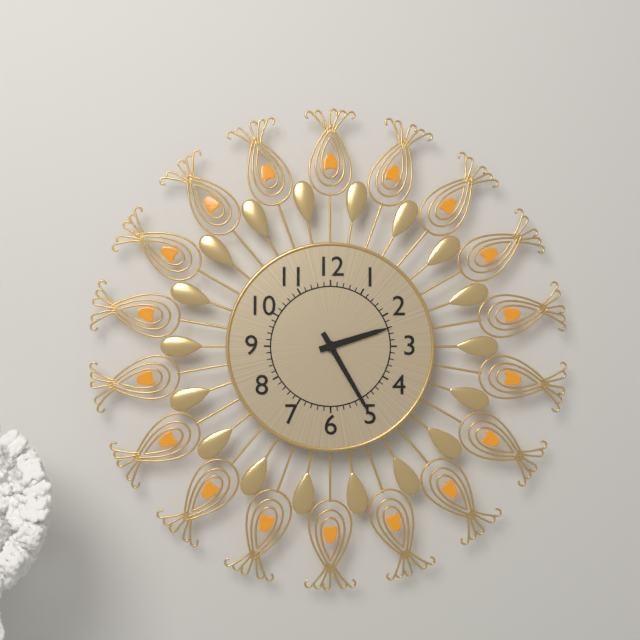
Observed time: 2h25
